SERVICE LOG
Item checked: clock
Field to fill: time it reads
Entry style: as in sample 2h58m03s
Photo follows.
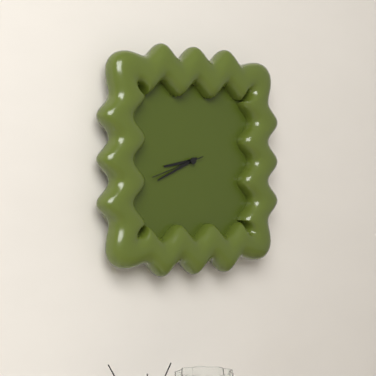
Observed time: 8h41m42s
